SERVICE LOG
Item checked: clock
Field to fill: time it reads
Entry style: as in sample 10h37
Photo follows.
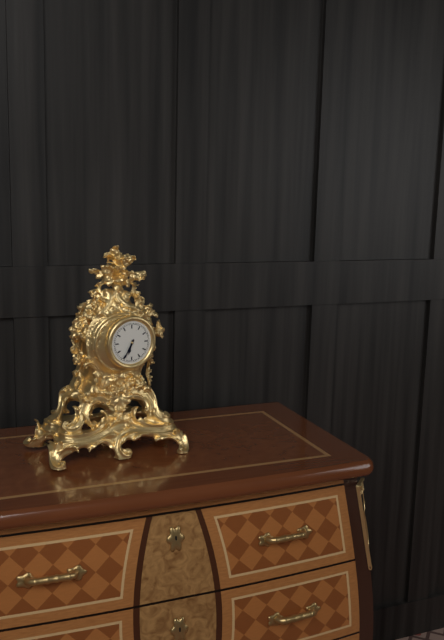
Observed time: 6h35
